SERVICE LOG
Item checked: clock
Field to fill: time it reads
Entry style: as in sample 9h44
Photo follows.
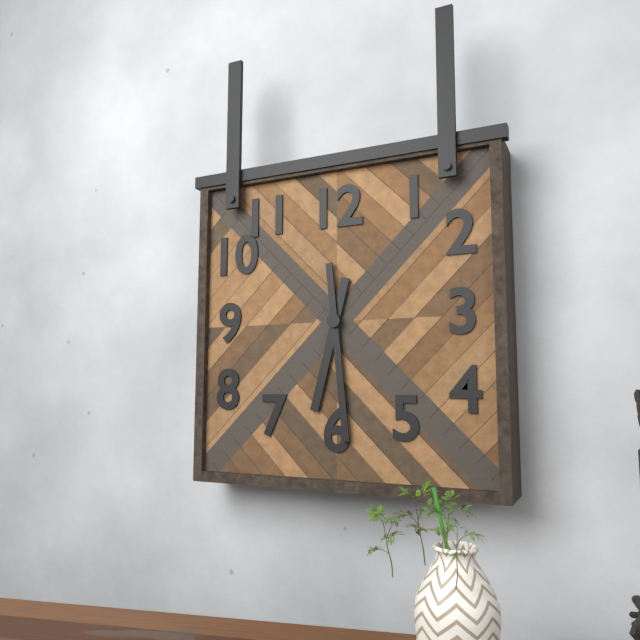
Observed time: 6h29
